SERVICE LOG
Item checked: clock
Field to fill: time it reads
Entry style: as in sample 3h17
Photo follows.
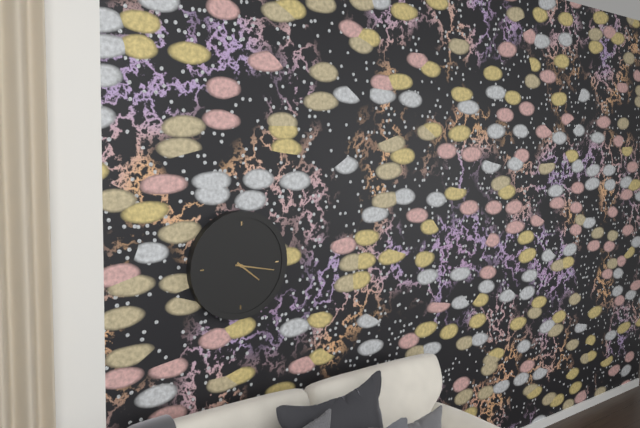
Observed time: 4h17
